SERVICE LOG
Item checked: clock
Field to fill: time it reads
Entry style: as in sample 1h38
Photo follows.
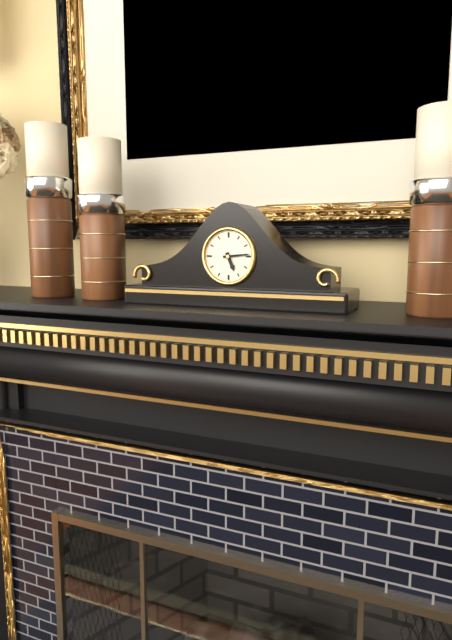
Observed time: 5h14
